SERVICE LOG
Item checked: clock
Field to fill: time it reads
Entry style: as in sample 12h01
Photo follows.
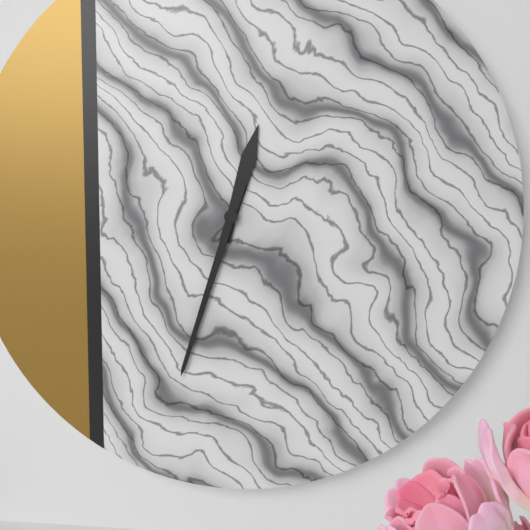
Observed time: 12h33
